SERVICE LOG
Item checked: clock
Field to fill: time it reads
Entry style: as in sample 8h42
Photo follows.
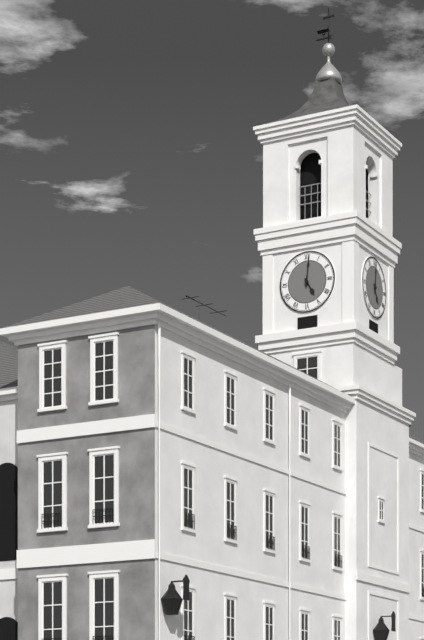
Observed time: 5h01
